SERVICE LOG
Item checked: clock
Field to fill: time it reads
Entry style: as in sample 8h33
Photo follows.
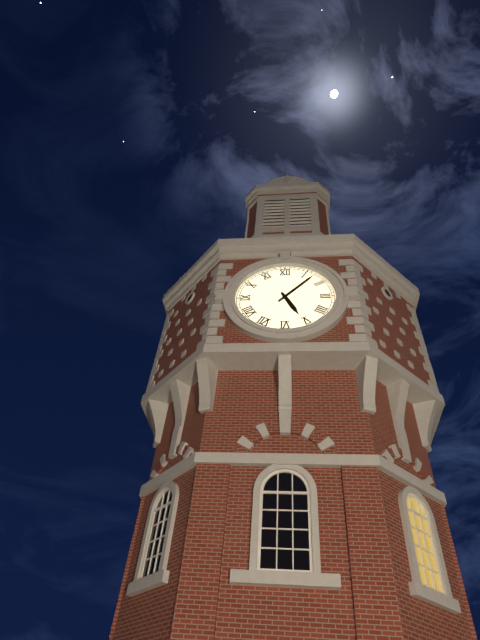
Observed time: 5h07
